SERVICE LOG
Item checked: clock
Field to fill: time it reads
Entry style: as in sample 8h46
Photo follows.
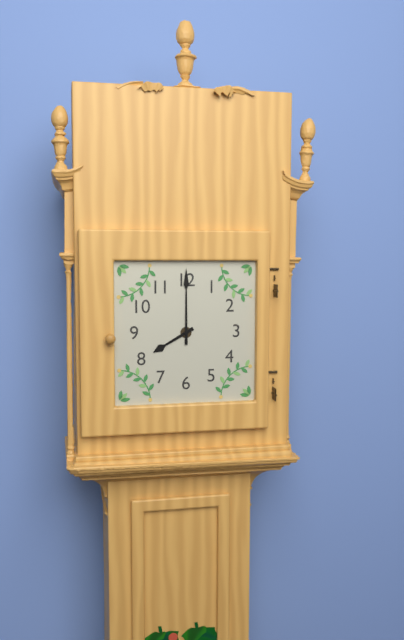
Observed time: 8h00
